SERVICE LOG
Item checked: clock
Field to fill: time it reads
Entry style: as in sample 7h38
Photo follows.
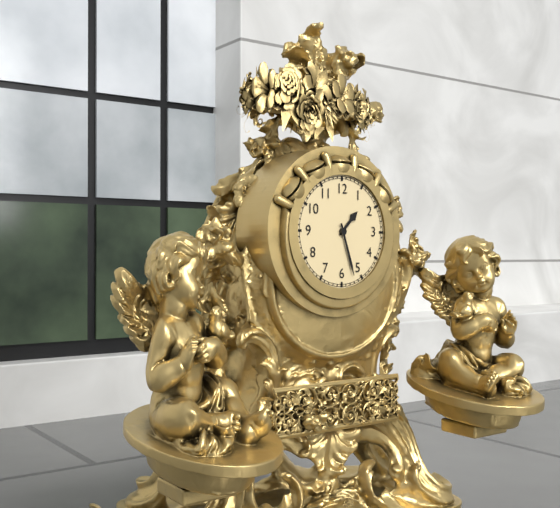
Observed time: 1h27
